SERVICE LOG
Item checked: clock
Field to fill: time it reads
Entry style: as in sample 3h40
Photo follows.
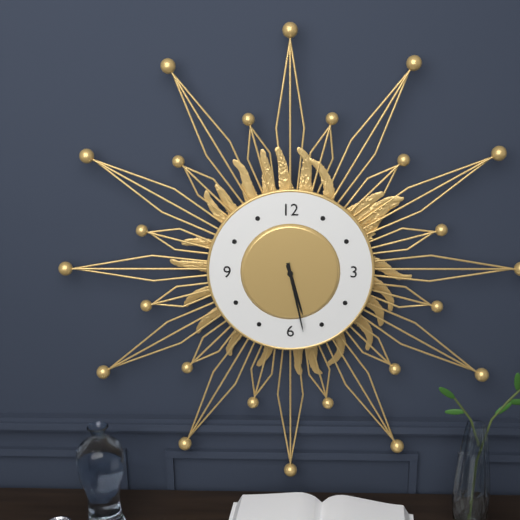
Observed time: 5h28
